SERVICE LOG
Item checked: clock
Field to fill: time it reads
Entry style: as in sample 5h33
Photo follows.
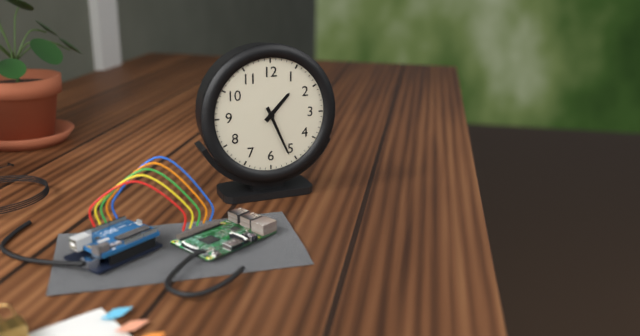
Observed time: 1h26
